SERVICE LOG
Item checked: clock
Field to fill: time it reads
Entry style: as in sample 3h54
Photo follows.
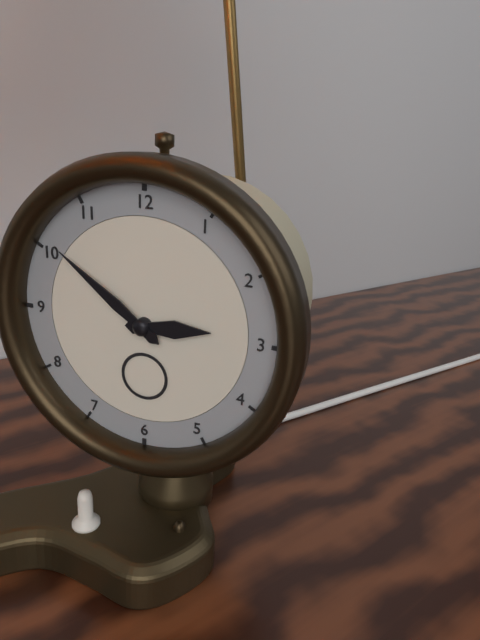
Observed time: 2h51
